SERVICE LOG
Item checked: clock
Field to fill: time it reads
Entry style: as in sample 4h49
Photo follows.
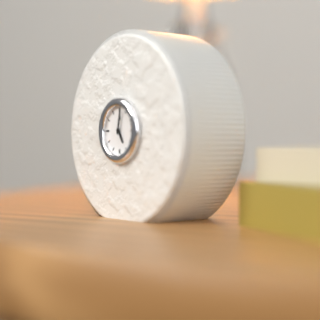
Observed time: 5h02
